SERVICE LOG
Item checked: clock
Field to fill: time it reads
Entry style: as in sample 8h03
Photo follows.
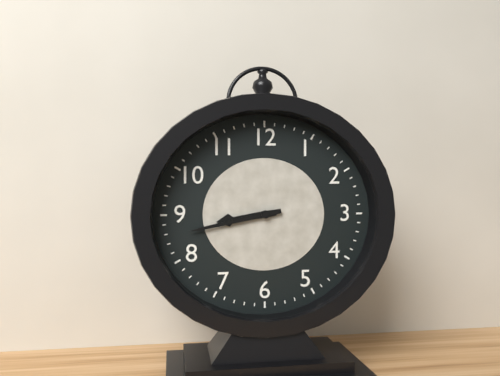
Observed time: 8h43
